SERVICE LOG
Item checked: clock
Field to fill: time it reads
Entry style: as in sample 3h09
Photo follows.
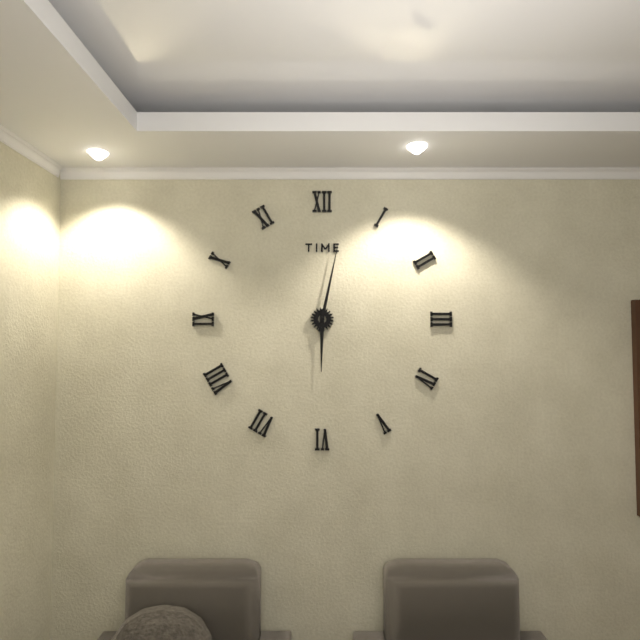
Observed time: 6h02
